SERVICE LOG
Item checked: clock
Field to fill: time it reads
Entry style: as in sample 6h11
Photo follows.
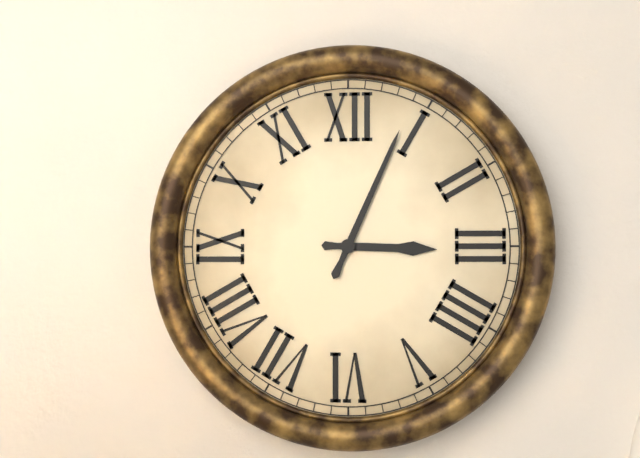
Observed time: 3h04
